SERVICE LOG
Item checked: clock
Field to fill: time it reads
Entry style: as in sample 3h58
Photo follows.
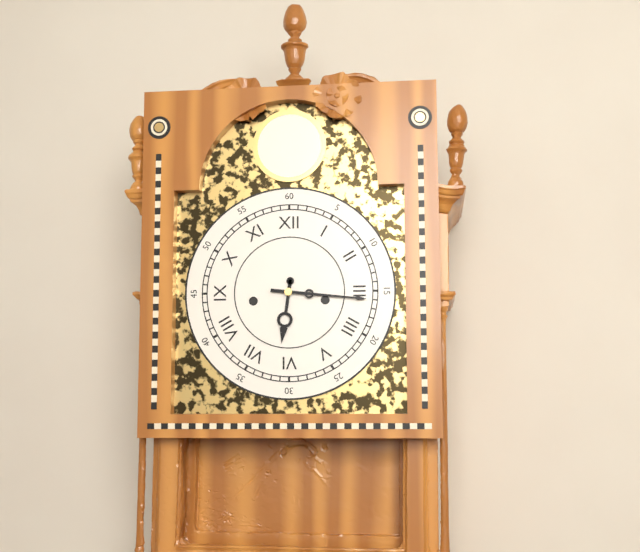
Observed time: 6h16
